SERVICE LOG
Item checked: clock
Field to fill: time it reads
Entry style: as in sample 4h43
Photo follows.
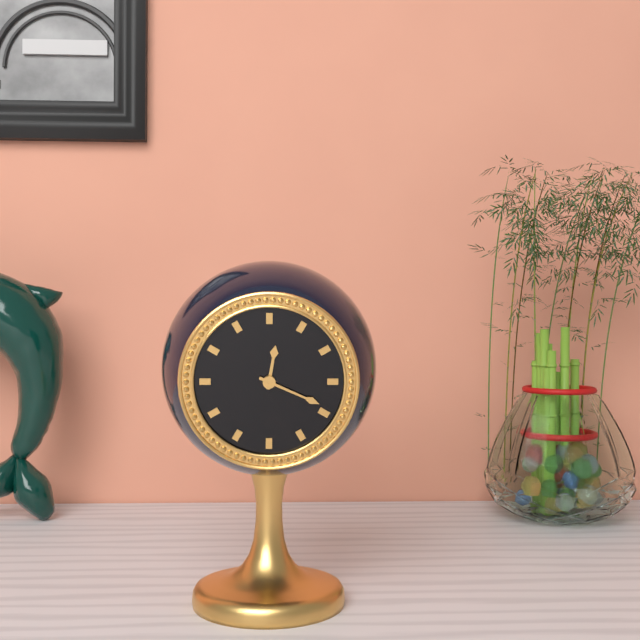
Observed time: 12h19
